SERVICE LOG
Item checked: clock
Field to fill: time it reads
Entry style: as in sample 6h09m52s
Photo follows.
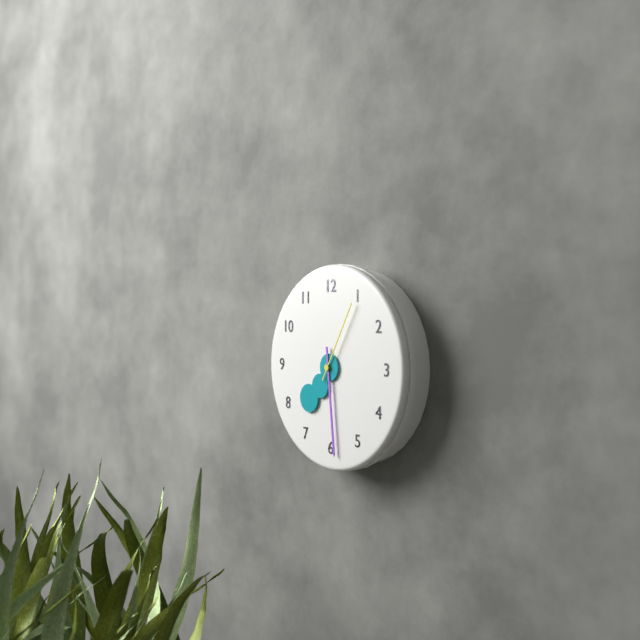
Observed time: 7h29m05s
